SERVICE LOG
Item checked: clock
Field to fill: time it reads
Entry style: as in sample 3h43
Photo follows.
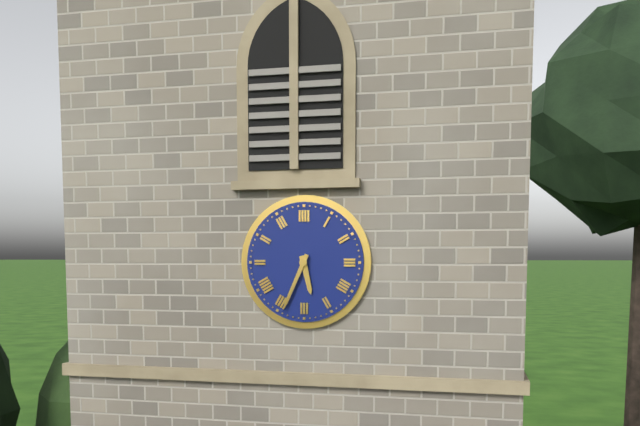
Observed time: 5h34
